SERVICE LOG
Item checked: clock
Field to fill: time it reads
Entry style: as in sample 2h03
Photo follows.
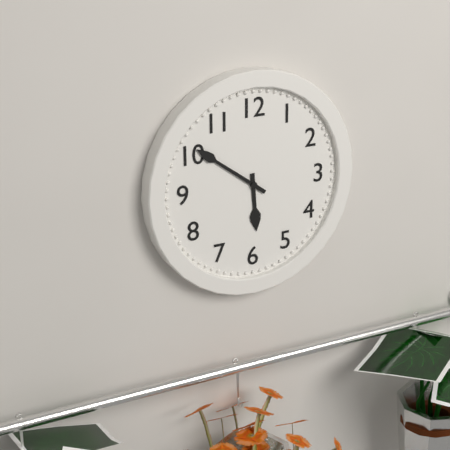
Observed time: 5h51
